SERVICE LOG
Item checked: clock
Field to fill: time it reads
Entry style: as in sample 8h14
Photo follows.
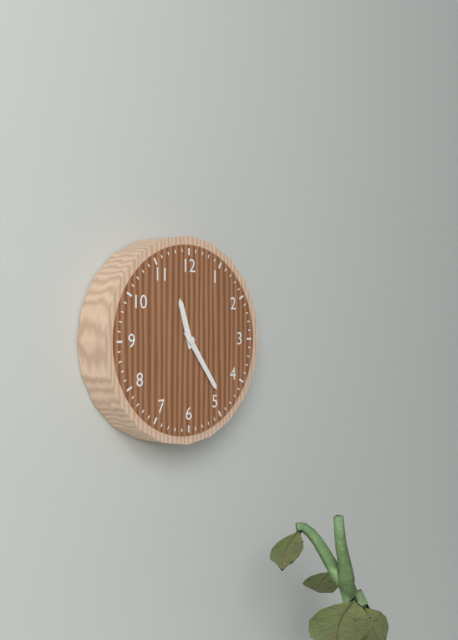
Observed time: 11h24
